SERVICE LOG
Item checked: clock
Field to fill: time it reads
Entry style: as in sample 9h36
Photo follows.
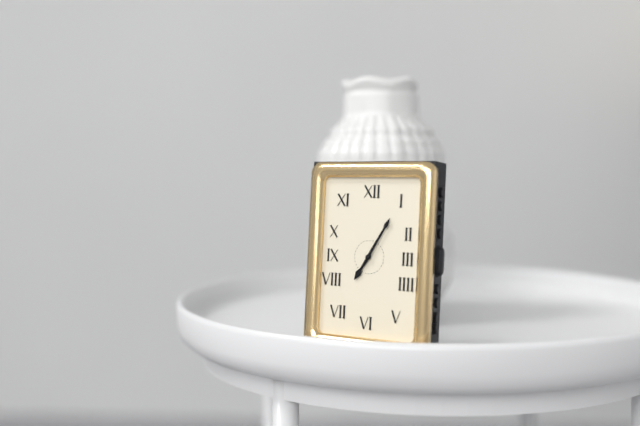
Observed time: 7h05
